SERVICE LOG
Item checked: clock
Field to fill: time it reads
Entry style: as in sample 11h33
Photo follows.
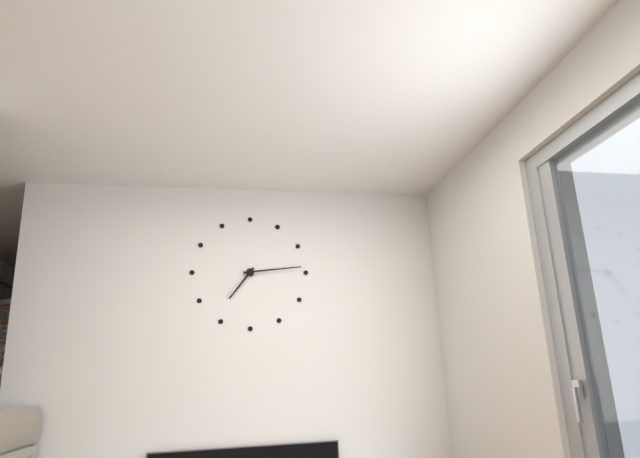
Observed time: 7h14
